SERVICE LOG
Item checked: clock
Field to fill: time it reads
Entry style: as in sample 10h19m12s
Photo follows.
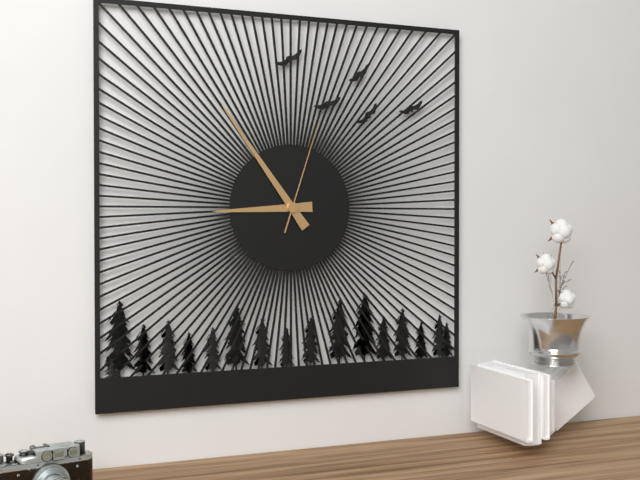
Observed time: 8h54m03s
